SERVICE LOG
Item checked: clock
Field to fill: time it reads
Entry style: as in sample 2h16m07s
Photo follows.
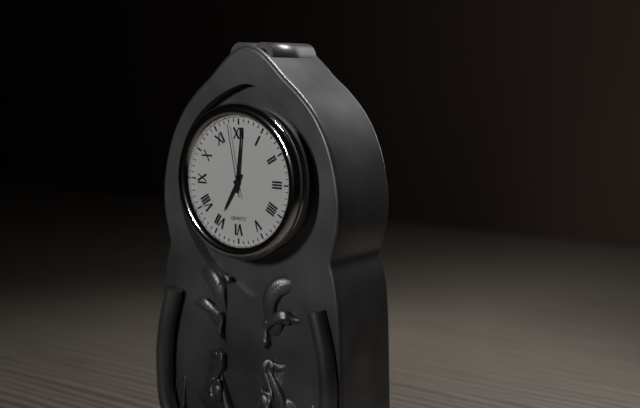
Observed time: 7h01m58s
